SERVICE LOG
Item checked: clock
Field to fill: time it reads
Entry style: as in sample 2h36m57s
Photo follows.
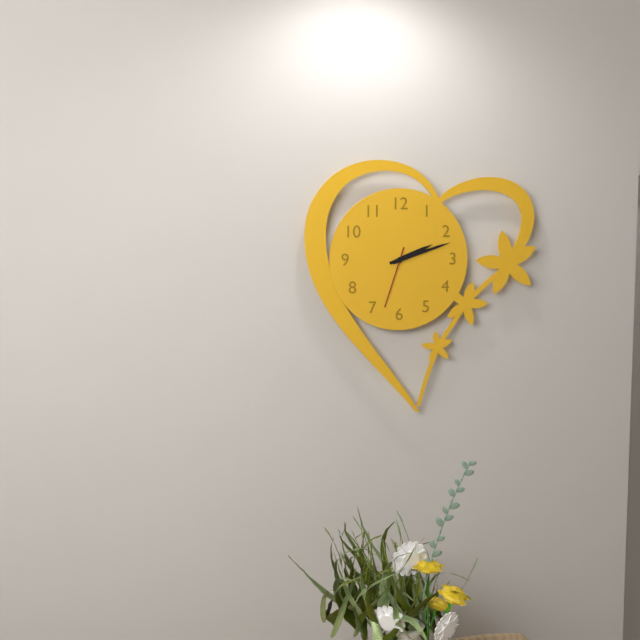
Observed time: 2h12m33s
